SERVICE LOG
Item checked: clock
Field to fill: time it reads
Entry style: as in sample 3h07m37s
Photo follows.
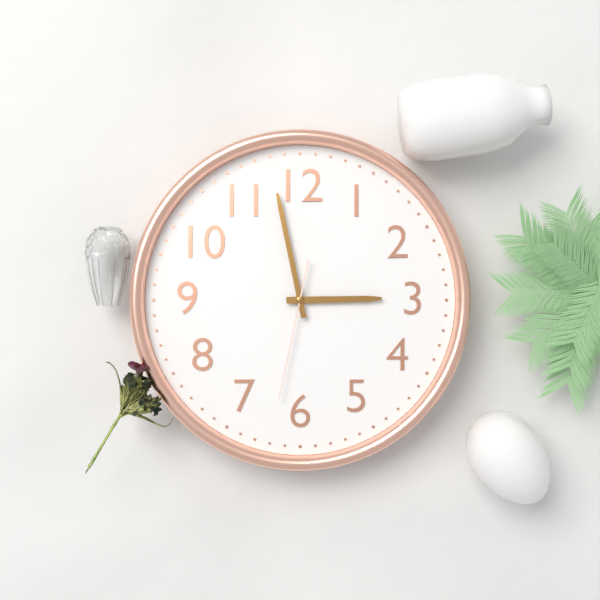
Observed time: 2h58m32s
